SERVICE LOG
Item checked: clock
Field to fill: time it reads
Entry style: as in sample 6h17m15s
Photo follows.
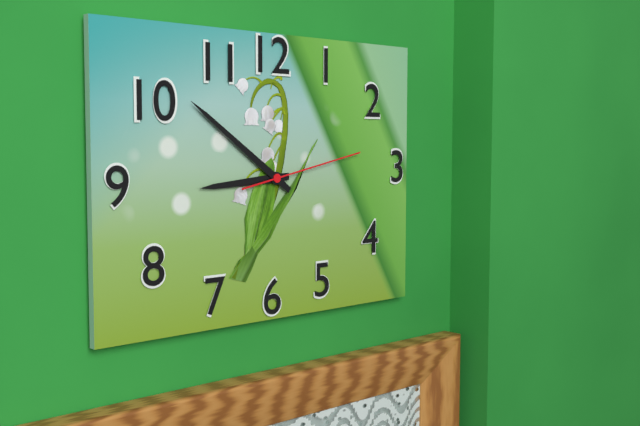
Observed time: 8h51m13s
